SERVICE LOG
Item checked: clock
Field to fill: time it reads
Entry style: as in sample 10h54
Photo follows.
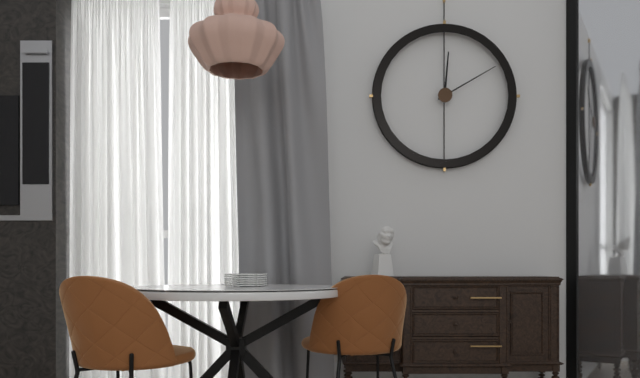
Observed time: 12h10
